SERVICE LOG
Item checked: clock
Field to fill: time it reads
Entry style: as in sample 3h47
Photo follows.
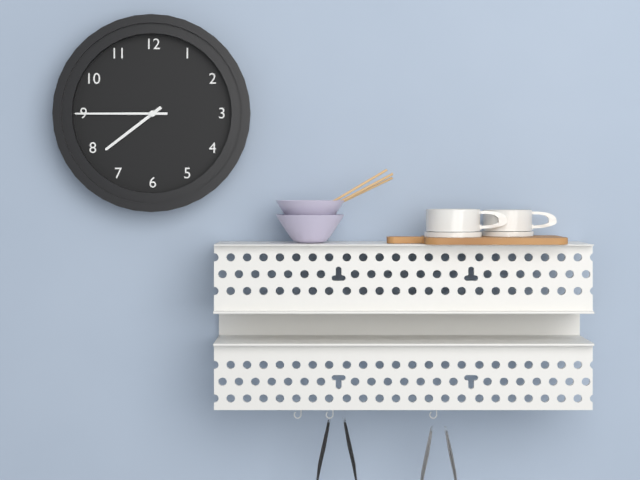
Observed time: 7h45
